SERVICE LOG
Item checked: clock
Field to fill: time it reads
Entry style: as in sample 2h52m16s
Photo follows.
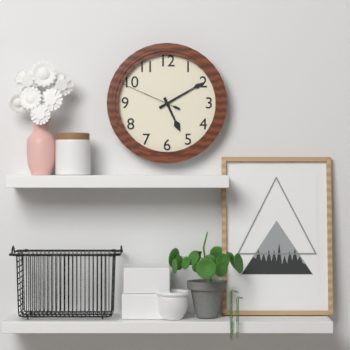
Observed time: 5h10m49s
